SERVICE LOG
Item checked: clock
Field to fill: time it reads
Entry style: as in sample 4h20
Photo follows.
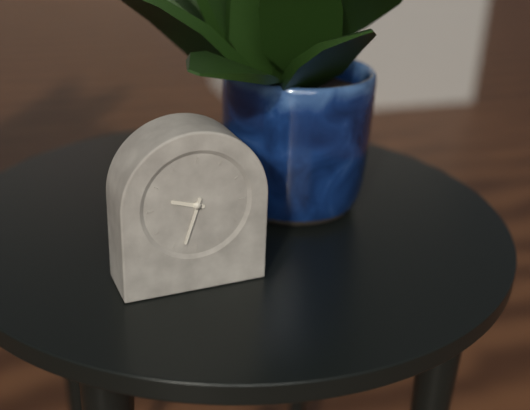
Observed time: 9h33
